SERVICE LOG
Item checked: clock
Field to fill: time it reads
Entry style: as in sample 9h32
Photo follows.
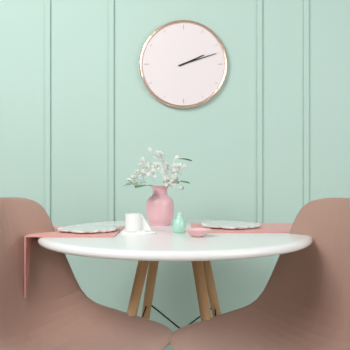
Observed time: 2h12
